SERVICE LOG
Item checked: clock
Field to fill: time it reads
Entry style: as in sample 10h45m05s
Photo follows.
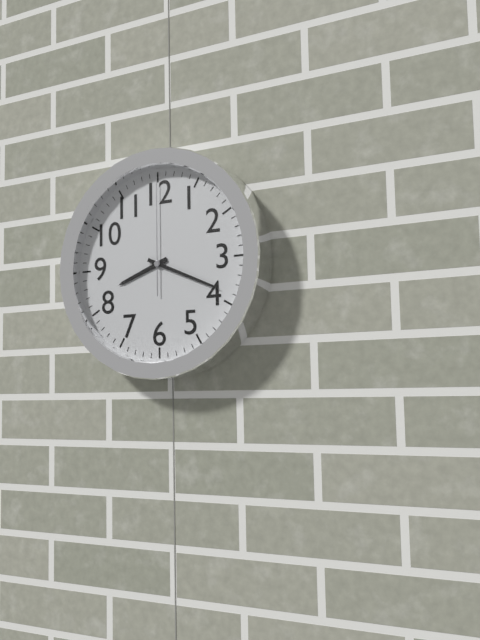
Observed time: 8h19m00s
